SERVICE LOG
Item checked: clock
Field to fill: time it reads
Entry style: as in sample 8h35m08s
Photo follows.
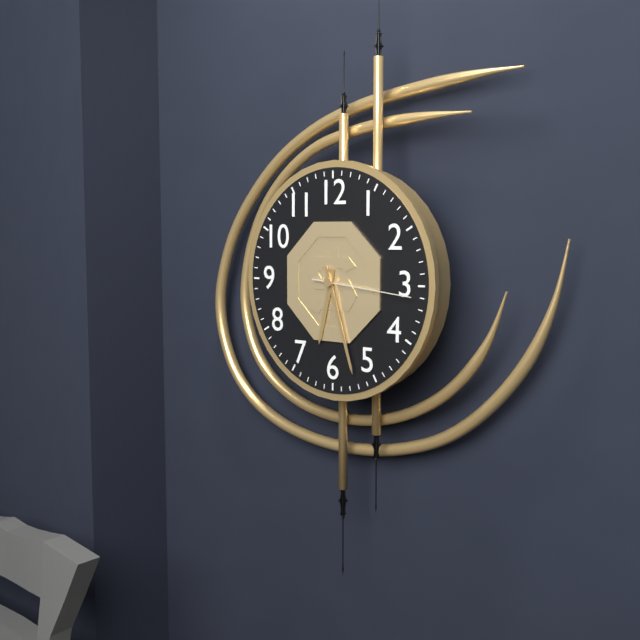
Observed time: 6h27m16s
